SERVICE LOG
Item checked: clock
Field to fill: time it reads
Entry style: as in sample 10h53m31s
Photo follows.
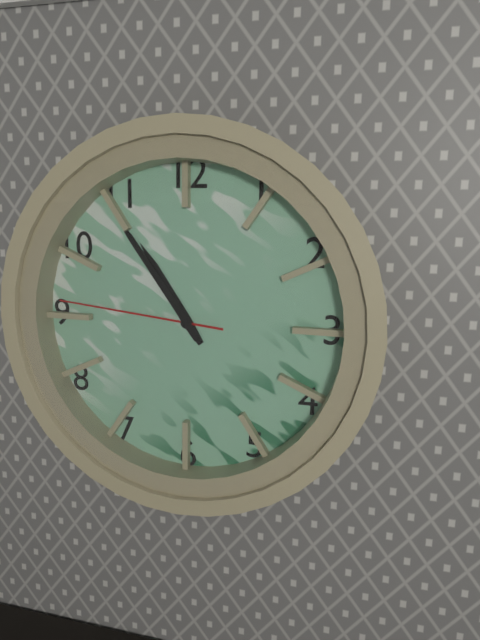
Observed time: 10h54m46s
